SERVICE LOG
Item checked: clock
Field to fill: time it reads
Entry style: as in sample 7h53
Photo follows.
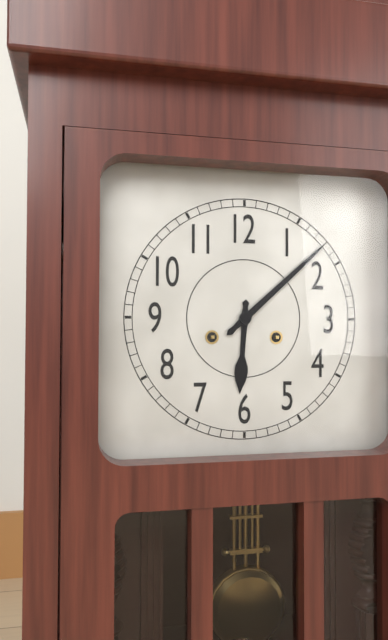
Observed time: 6h08
